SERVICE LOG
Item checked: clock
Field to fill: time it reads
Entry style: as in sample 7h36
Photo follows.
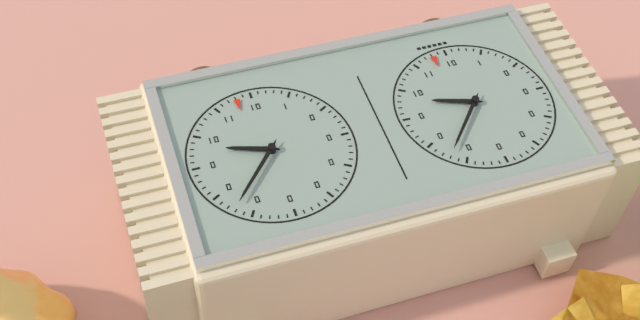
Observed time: 9h37
